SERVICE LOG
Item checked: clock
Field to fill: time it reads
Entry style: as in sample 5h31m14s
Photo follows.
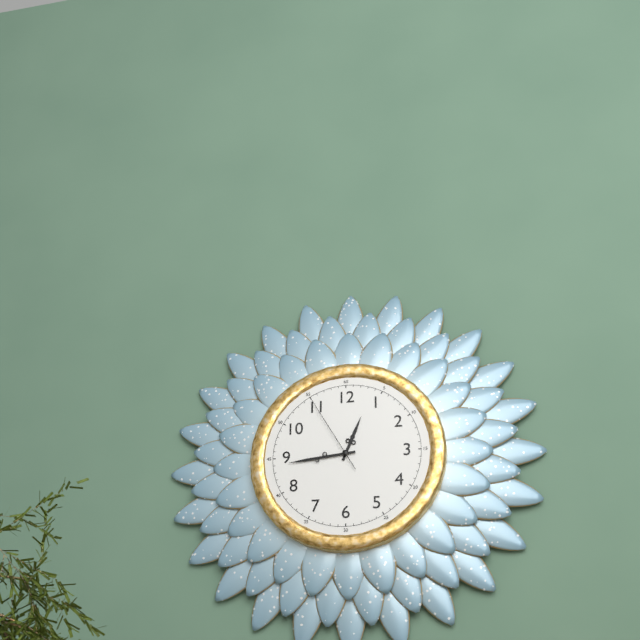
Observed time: 12h44m55s
